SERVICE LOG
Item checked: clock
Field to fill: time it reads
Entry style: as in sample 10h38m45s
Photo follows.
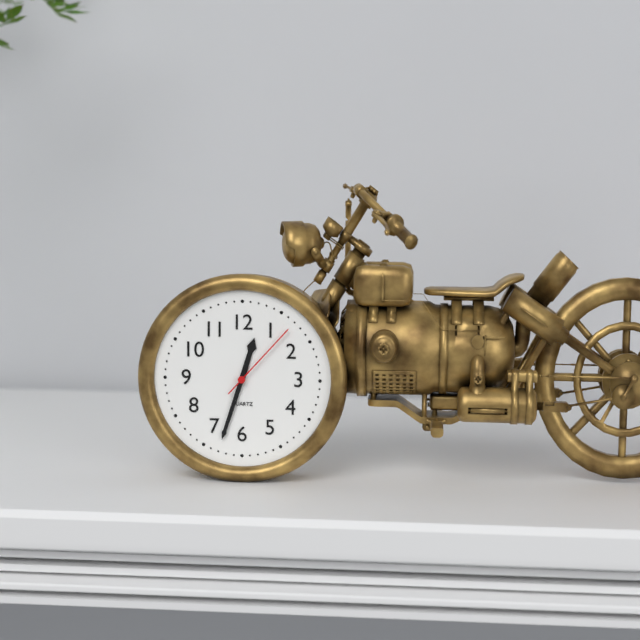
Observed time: 12h33m07s
